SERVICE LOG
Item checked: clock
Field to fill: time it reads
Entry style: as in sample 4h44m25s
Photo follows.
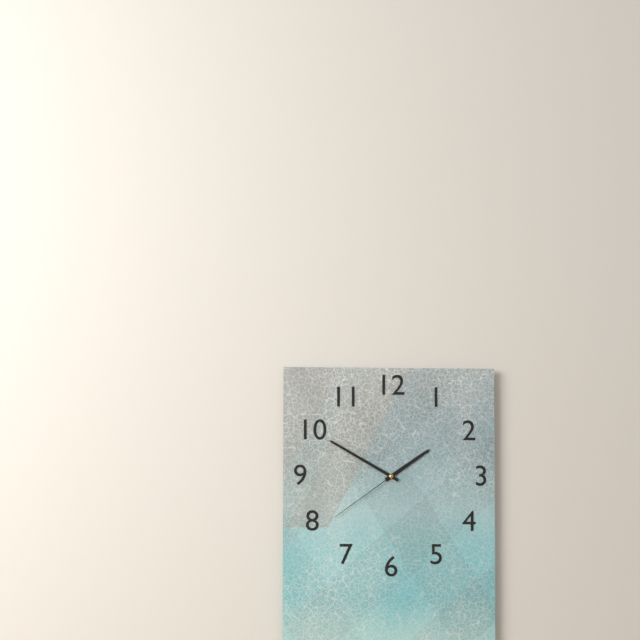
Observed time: 1h50m39s
